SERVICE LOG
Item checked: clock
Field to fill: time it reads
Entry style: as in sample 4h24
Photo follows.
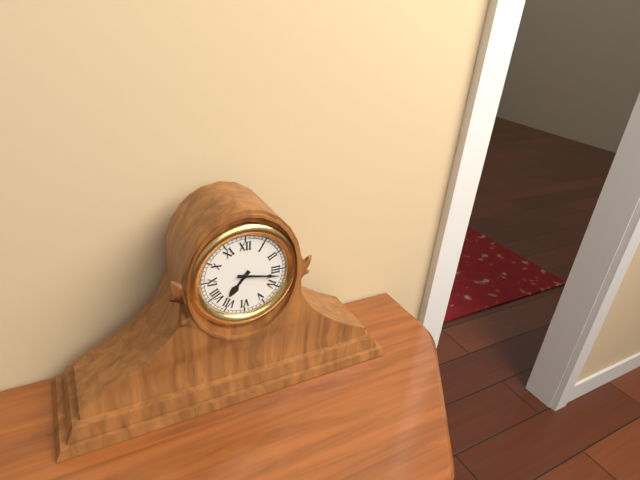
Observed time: 7h17
